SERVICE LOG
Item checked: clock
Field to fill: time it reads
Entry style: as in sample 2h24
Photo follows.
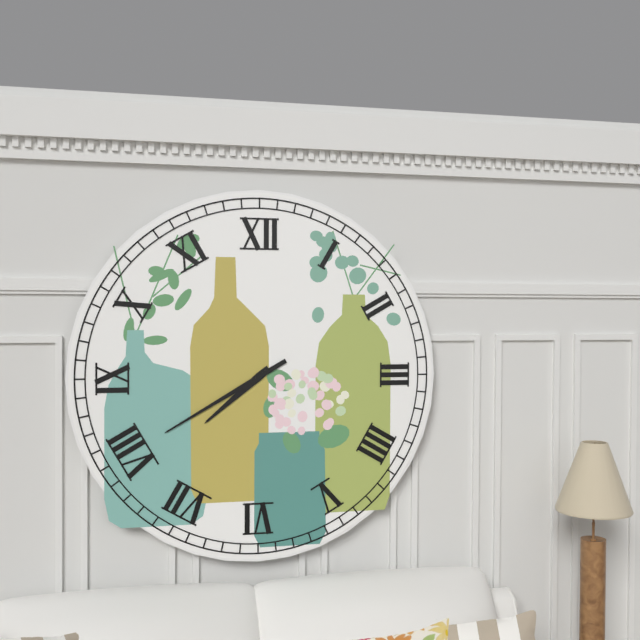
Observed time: 7h40
